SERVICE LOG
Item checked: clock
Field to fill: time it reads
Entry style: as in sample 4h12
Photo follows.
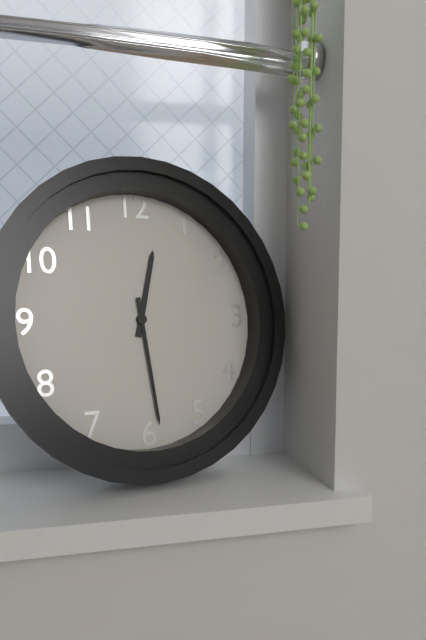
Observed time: 12h29
